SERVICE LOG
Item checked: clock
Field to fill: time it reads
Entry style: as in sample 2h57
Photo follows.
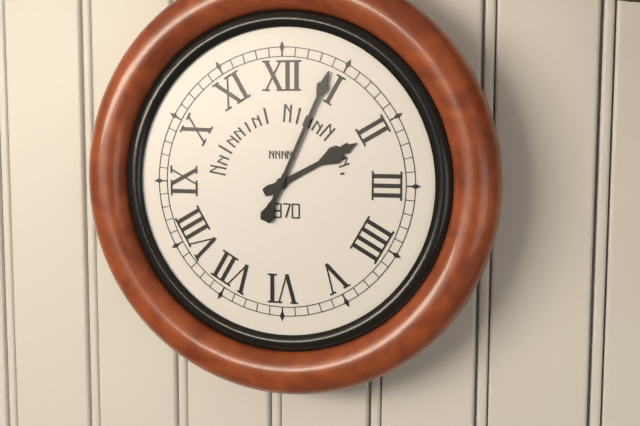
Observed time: 2h04
